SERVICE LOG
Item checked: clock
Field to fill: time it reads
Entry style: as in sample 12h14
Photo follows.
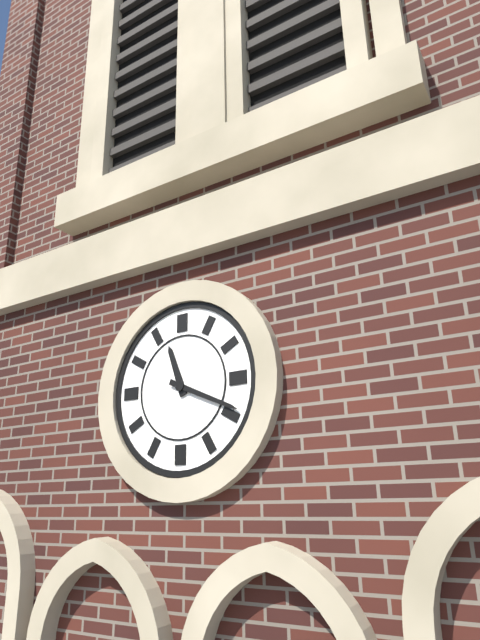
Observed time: 11h19
